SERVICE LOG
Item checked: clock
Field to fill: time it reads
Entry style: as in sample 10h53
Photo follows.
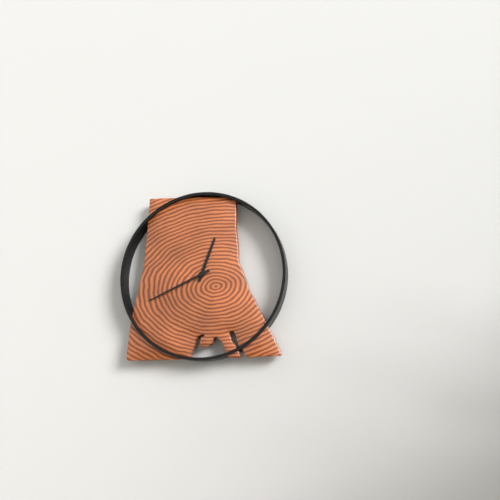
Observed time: 12h41
